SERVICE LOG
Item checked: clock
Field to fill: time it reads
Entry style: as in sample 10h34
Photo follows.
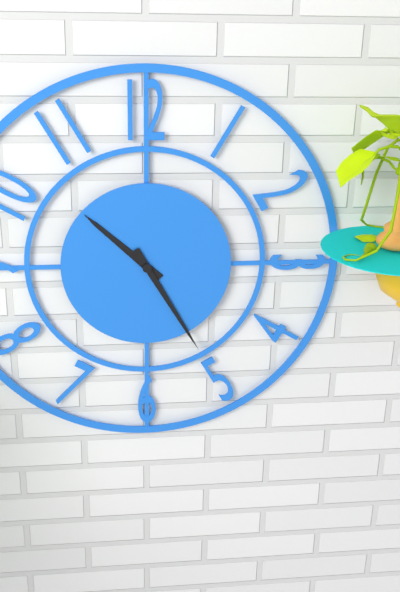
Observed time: 10h25
